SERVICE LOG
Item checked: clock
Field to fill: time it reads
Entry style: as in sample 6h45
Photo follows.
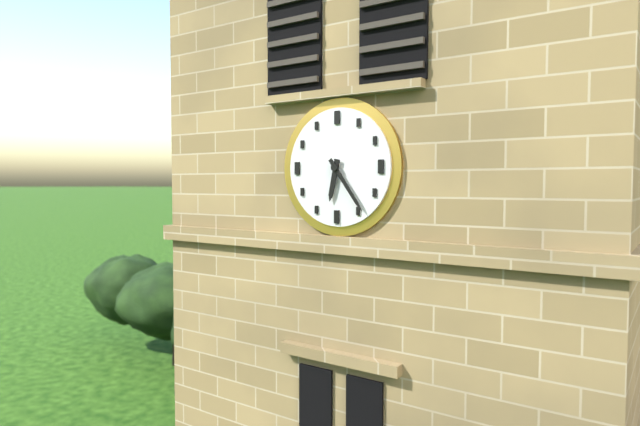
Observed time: 6h24
